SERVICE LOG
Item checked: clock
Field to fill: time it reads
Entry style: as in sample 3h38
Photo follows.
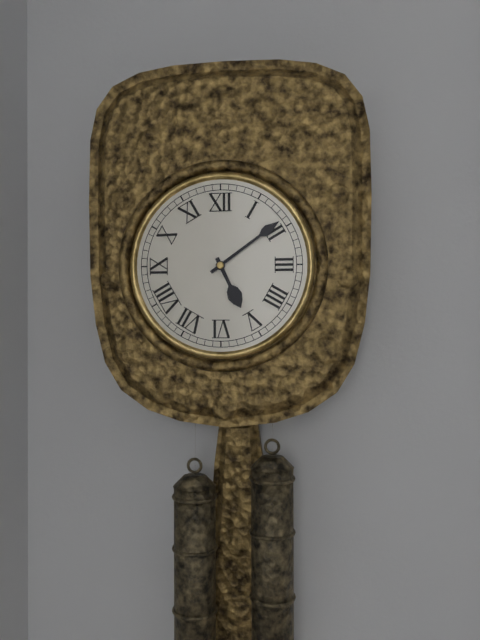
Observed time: 5h09
